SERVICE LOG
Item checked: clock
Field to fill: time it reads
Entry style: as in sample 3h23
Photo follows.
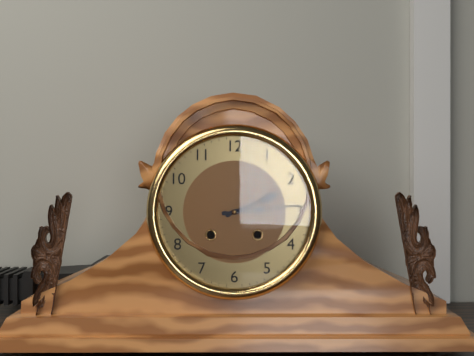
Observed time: 2h14
